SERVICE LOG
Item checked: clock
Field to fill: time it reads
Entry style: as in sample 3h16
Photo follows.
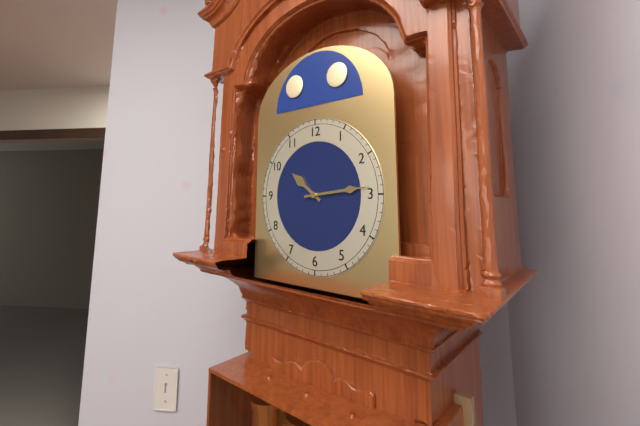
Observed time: 10h14
